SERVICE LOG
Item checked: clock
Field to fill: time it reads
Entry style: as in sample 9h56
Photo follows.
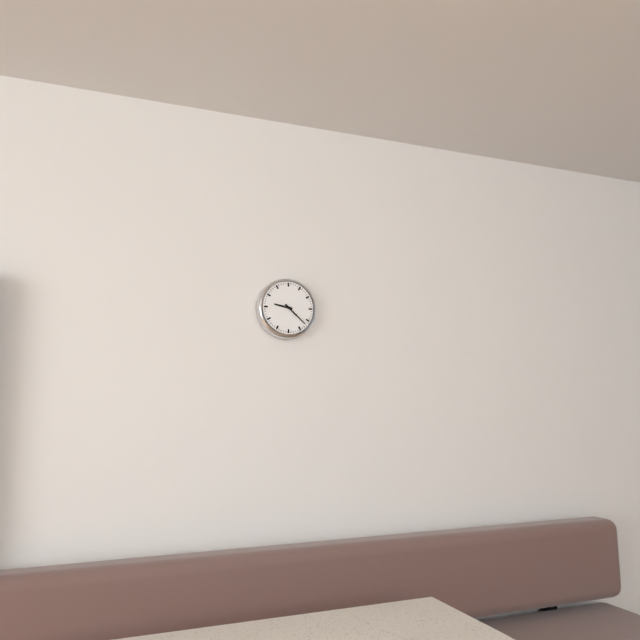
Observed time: 9h22
